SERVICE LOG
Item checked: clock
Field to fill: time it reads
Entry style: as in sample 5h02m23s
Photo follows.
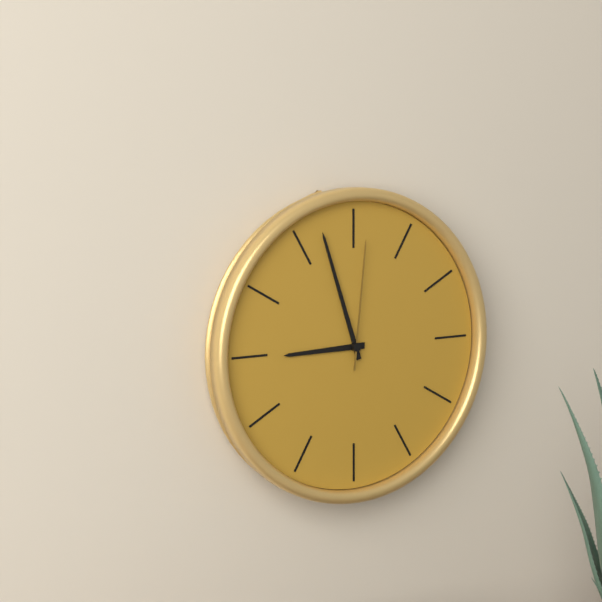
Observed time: 8h57m01s
